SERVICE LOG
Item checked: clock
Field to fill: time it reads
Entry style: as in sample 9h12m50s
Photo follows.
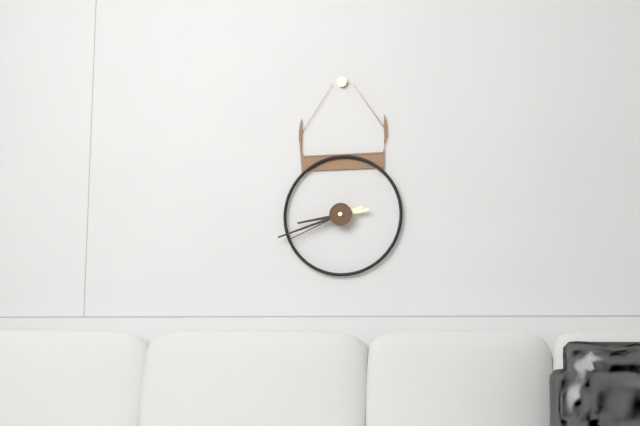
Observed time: 8h42m41s
